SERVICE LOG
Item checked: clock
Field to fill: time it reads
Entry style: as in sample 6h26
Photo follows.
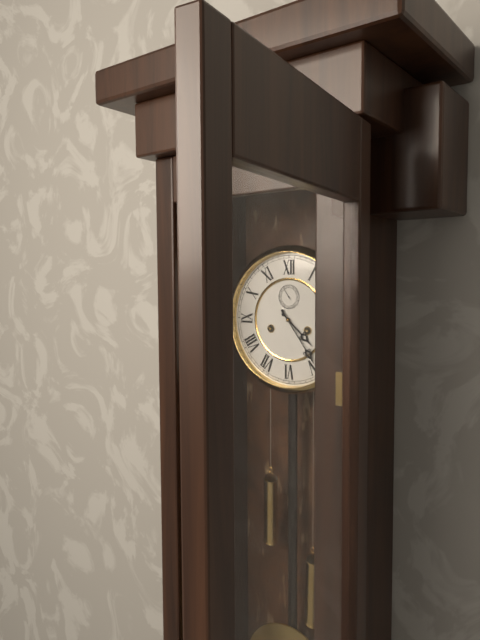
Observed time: 4h24
